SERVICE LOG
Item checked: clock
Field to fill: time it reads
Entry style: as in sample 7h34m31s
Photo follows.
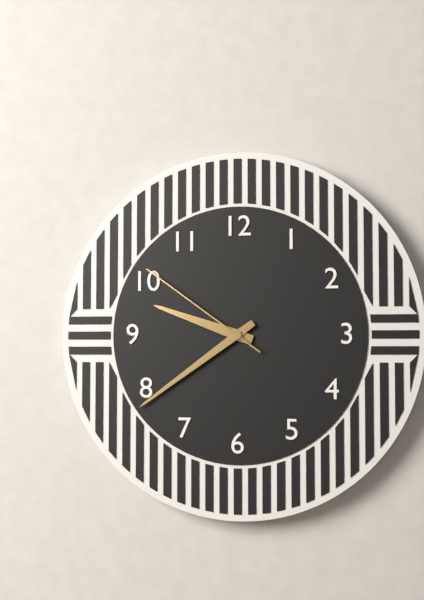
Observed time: 9h39m51s
